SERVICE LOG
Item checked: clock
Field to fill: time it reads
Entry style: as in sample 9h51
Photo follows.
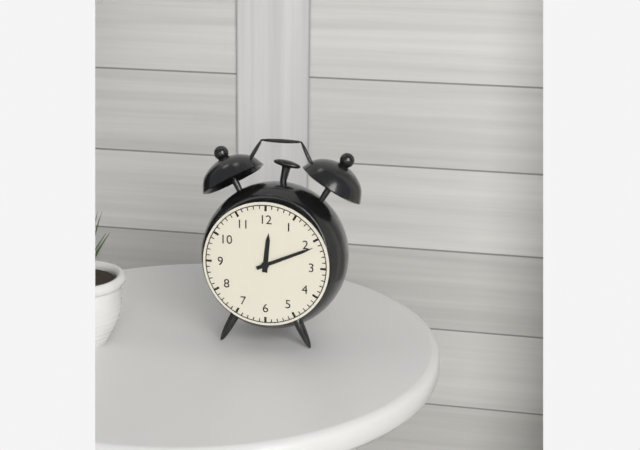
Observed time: 12h11
